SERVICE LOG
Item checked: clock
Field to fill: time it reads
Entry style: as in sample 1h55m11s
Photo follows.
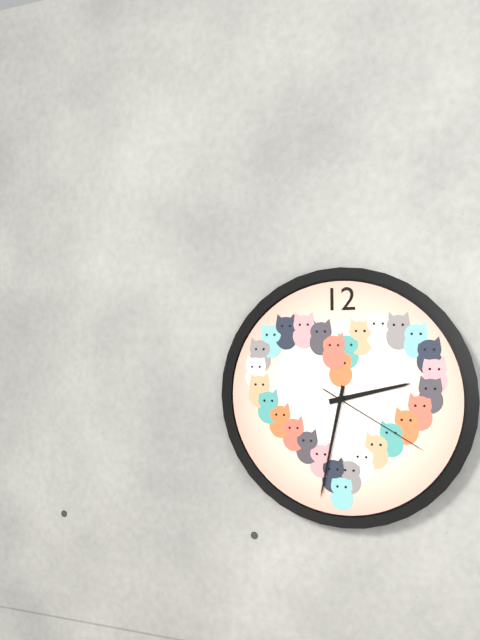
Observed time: 2h32m20s
